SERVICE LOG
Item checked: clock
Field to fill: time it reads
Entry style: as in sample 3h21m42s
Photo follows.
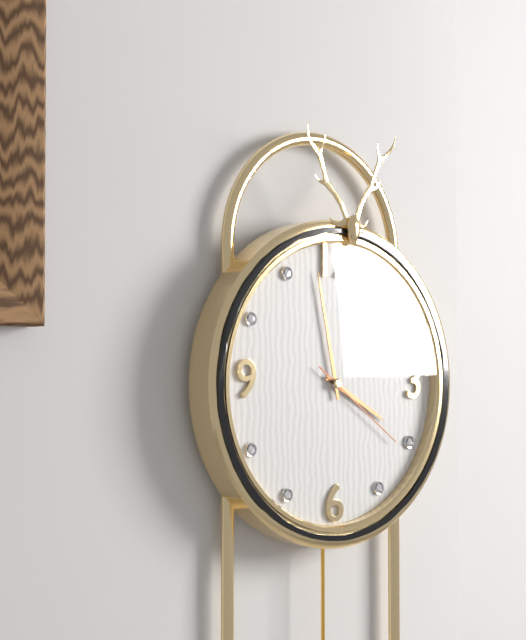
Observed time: 3h58m21s
